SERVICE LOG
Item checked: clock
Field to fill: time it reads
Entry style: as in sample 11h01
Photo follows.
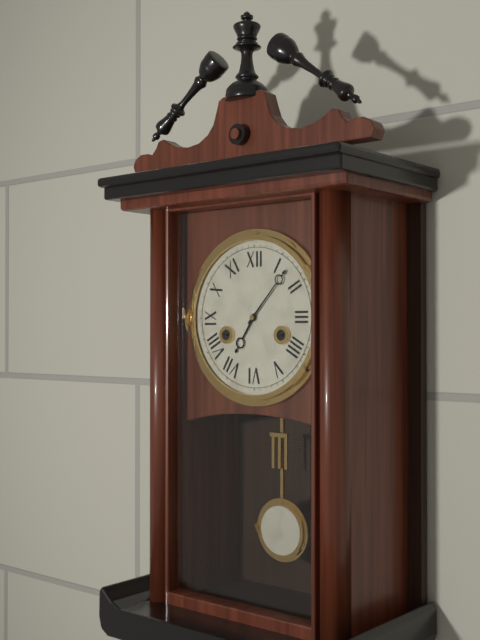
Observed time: 7h07
